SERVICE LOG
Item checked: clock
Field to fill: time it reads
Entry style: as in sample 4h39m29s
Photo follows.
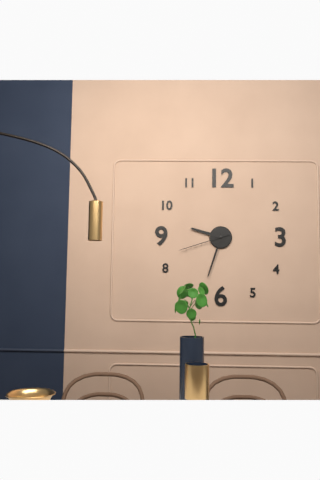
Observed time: 9h33m42s
